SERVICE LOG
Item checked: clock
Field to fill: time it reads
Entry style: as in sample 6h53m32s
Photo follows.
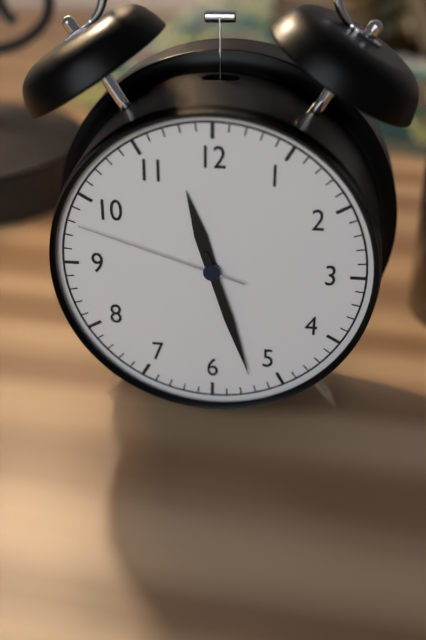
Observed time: 11h27m48s
